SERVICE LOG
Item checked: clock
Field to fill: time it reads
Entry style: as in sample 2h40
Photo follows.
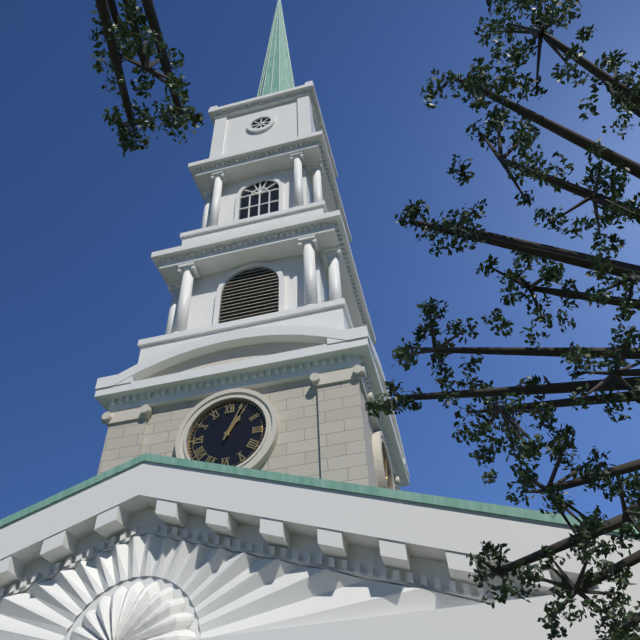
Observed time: 1h04
